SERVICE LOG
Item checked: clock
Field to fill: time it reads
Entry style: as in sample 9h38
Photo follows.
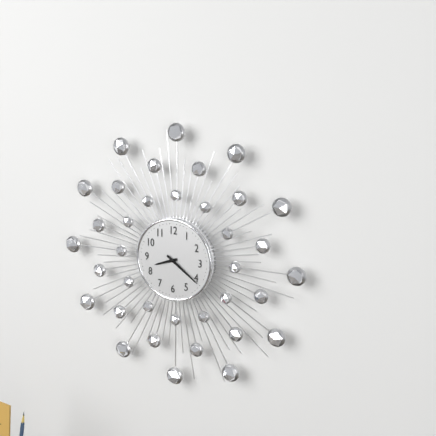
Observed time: 8h21
